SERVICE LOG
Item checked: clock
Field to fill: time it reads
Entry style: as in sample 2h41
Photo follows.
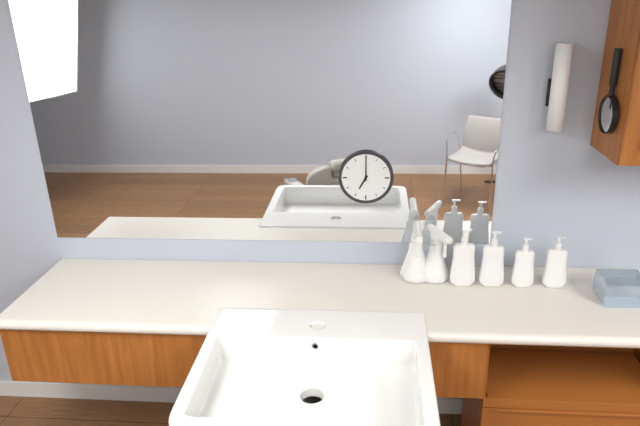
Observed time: 7h00
